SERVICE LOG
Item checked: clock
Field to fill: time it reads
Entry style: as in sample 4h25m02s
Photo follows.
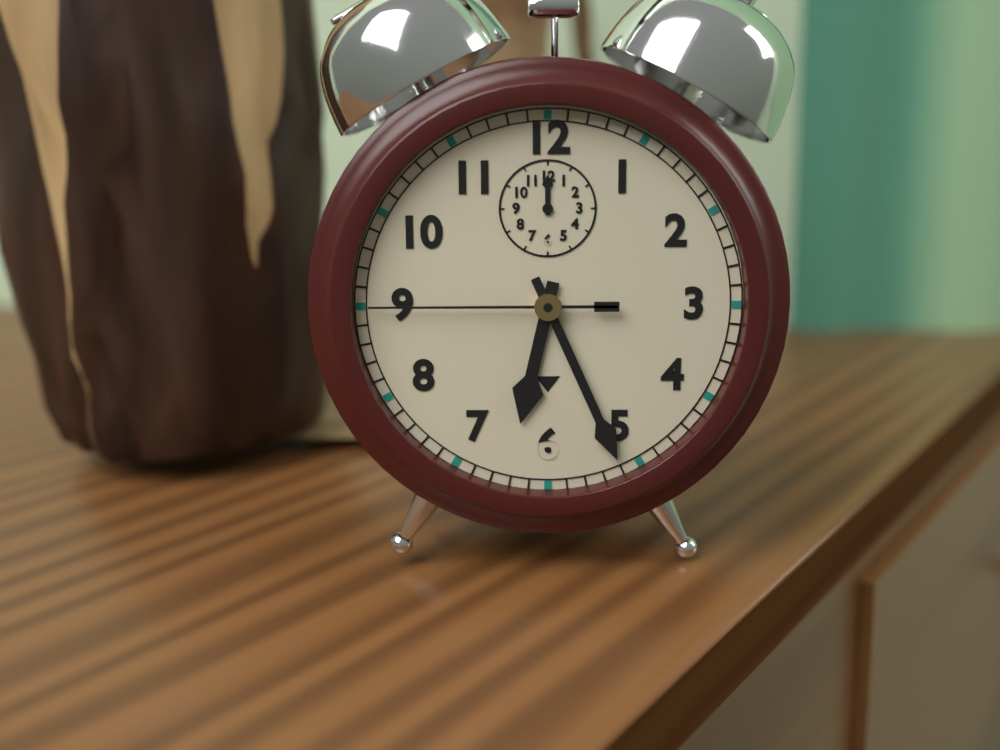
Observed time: 6h26m45s
